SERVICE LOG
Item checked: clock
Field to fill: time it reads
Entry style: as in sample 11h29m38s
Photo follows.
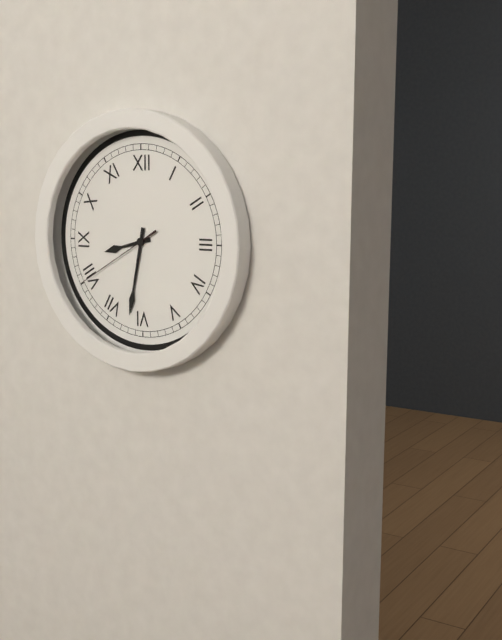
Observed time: 8h32m40s
